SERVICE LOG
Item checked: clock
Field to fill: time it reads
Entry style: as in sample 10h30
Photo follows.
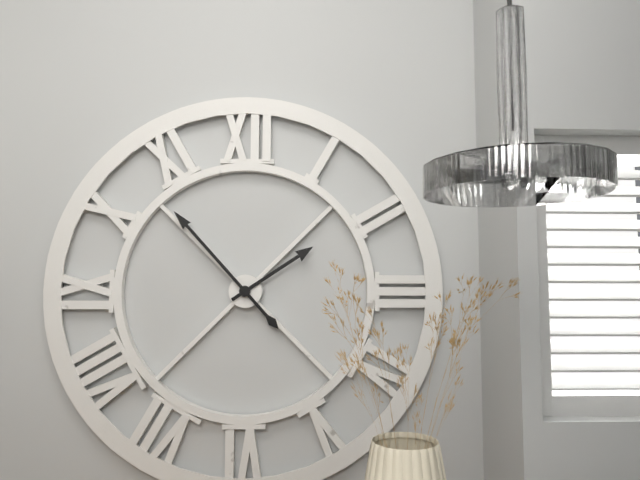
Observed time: 1h53
